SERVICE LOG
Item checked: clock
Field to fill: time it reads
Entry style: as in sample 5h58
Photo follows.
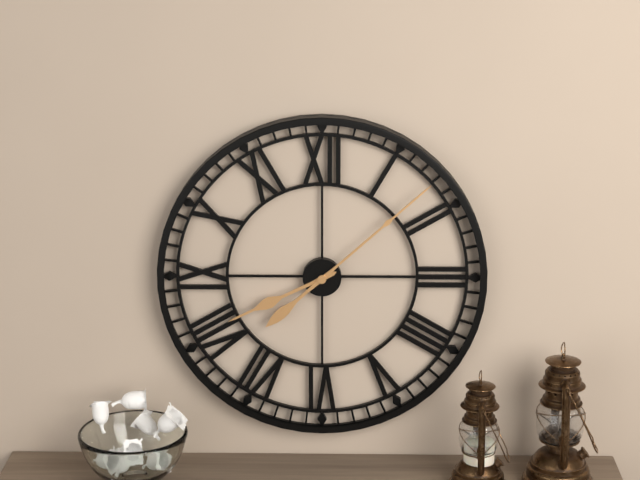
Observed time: 8h08
